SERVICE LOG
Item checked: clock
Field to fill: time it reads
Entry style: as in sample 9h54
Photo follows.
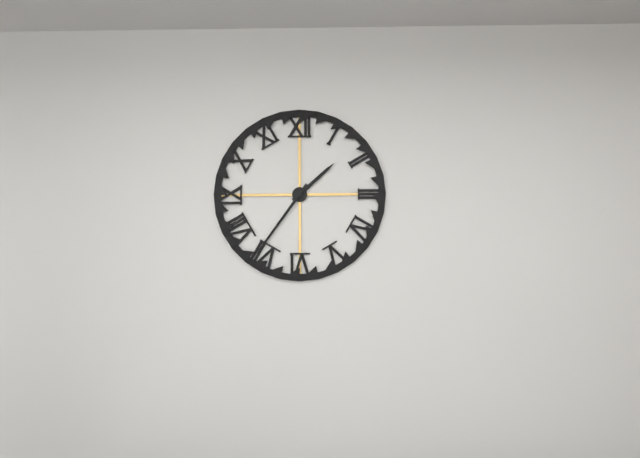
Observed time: 1h36
